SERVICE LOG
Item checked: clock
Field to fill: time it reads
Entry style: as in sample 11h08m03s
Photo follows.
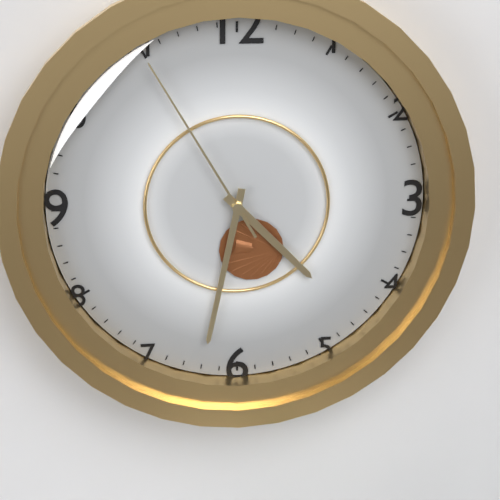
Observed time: 4h32m55s
